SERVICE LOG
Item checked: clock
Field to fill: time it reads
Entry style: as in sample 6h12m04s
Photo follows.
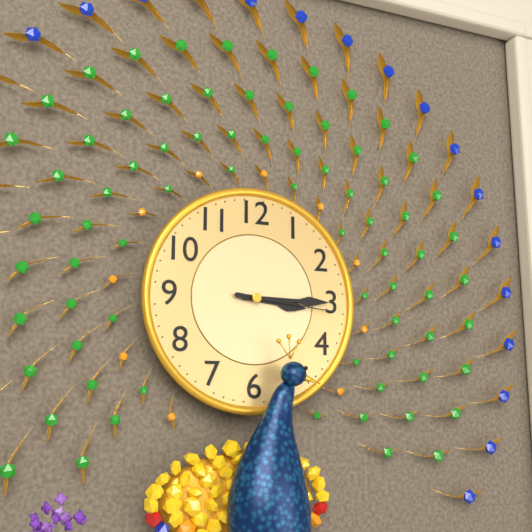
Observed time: 3h15m16s
